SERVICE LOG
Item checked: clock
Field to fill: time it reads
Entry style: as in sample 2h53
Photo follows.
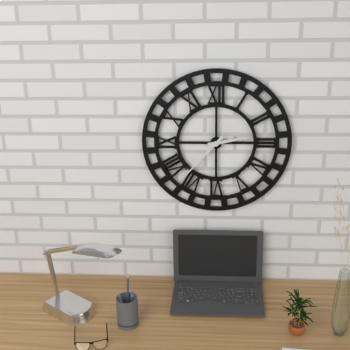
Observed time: 2h37
